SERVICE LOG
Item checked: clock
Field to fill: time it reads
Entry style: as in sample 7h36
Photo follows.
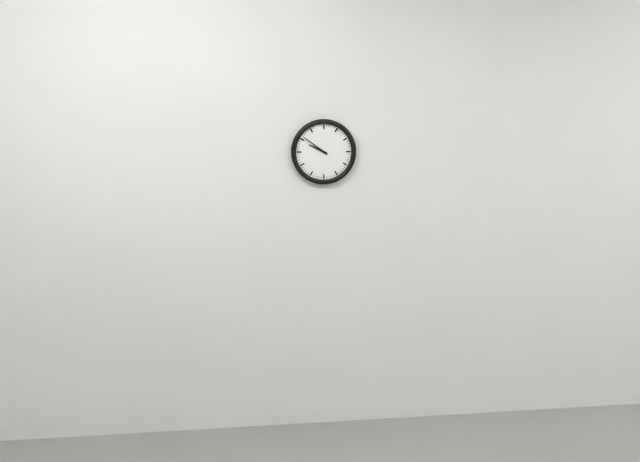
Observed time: 9h51
